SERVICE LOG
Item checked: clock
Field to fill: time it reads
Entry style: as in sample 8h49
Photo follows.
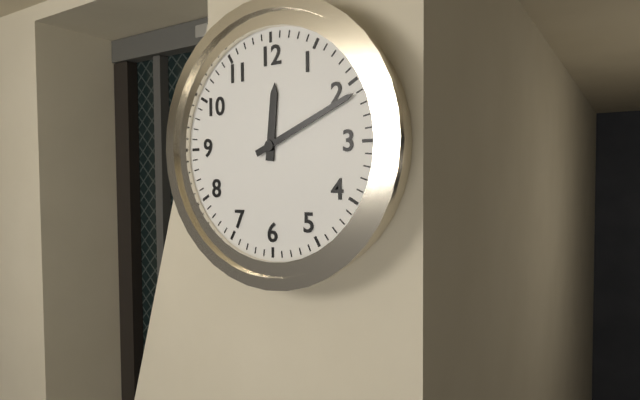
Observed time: 12h11
